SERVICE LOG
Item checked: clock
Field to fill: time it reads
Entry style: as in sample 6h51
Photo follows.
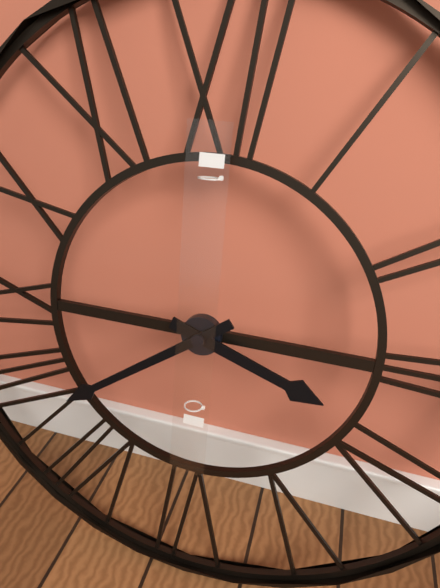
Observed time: 3h39
